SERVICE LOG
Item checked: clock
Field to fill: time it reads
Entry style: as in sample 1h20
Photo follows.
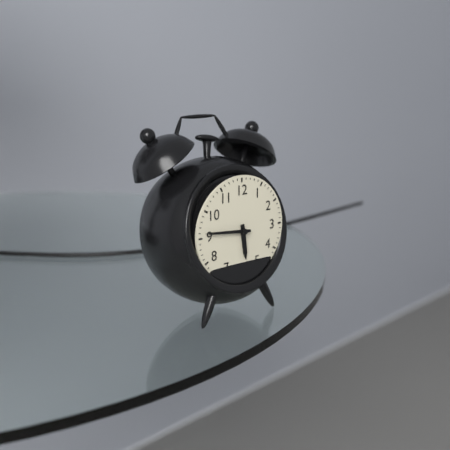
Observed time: 5h46
